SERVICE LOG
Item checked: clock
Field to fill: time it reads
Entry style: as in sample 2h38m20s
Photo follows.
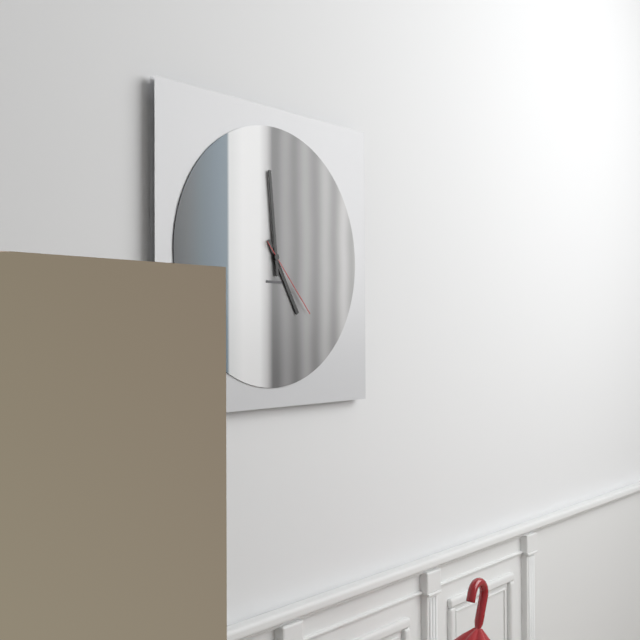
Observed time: 4h59m23s
